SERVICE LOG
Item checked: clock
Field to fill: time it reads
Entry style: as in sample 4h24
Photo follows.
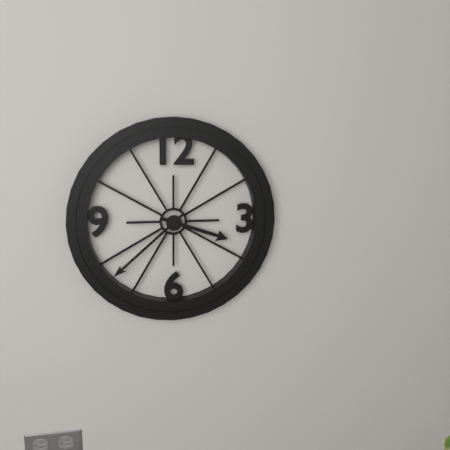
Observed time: 3h38
